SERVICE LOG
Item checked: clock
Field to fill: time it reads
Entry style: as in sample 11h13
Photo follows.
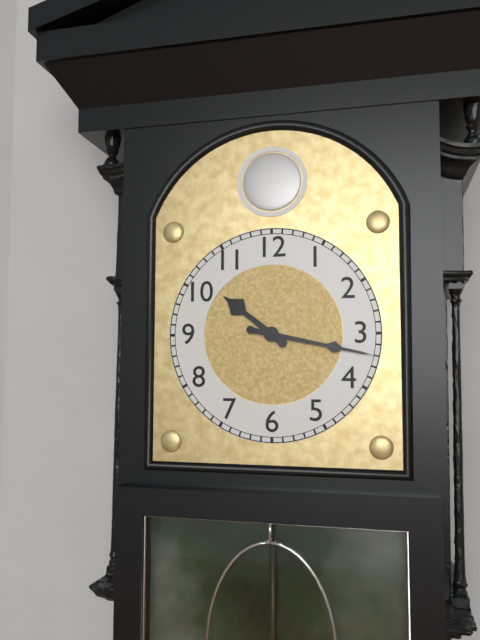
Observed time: 10h17
